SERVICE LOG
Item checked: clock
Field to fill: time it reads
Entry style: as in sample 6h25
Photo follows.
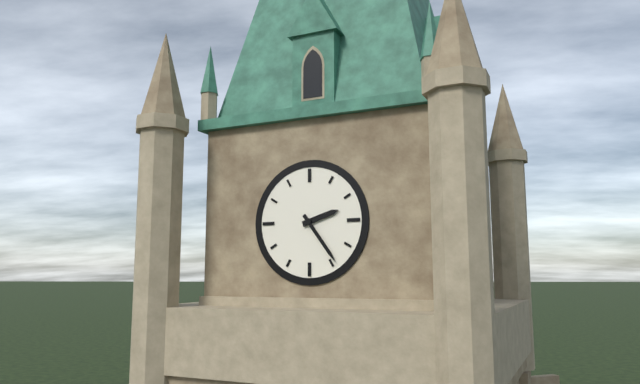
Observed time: 2h24
